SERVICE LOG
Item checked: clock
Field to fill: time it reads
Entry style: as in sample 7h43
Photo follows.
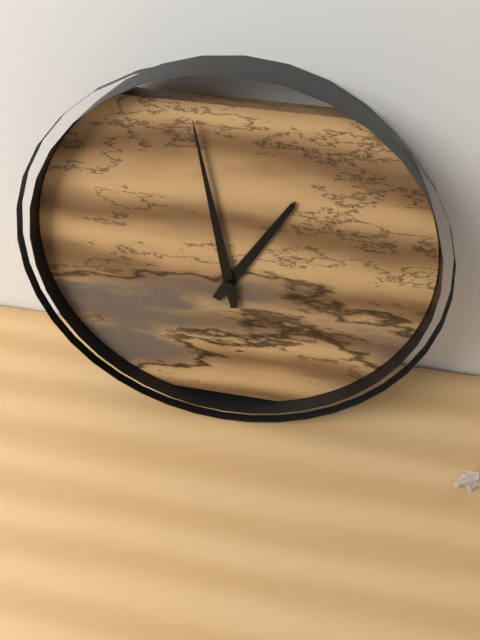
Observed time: 12h58
